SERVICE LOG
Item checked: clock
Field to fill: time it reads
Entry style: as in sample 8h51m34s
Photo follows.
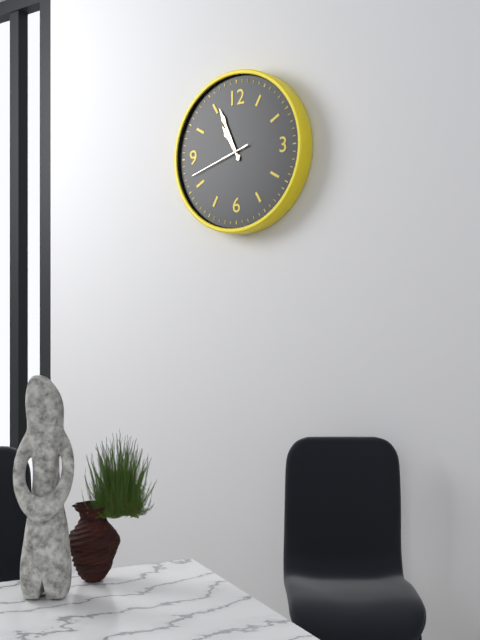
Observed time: 10h56m42s
